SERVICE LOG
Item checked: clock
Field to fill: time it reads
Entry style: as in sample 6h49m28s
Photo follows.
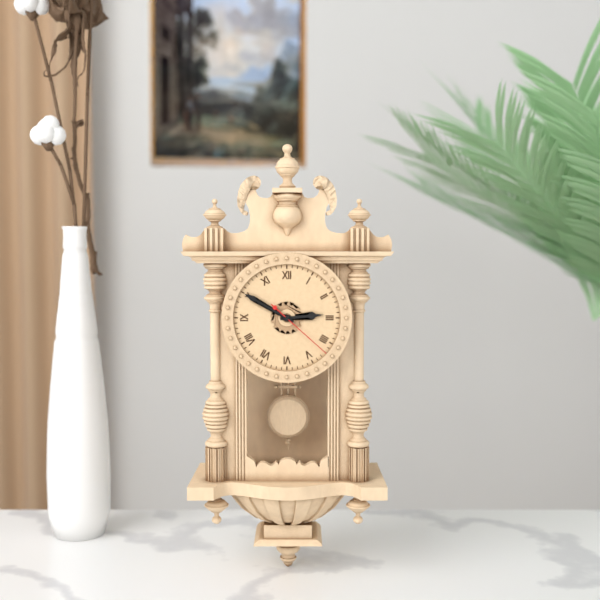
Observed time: 2h50m22s
